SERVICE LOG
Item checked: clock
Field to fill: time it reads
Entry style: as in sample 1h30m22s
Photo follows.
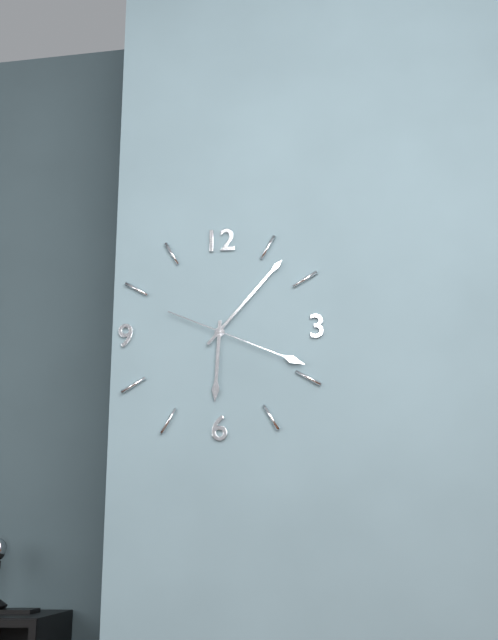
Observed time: 6h07m19s
